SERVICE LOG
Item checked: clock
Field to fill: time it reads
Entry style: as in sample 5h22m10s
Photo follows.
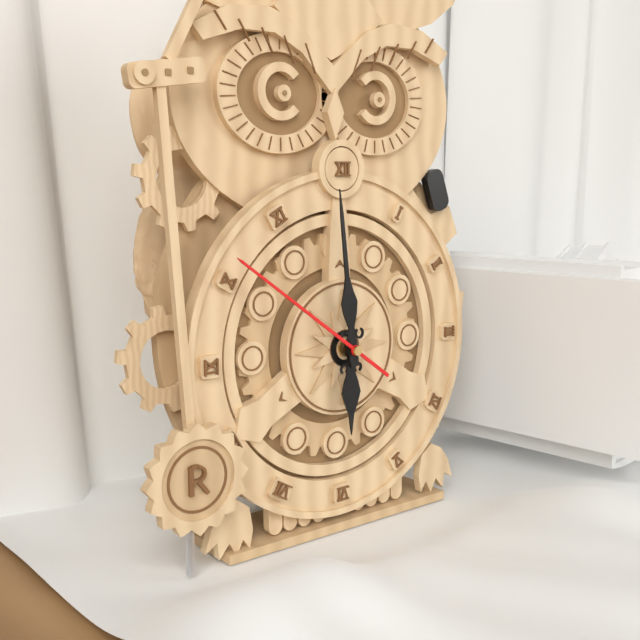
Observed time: 5h59m51s
